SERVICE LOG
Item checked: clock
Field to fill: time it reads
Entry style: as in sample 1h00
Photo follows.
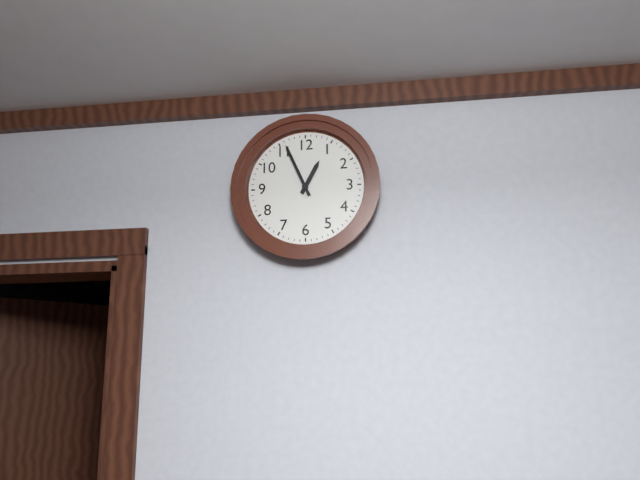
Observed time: 12h56
